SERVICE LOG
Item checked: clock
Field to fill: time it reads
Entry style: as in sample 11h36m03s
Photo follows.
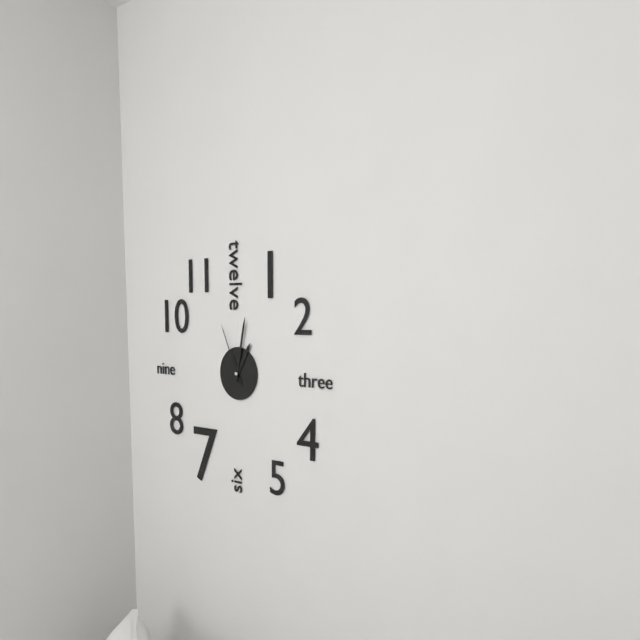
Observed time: 1h02m56s
